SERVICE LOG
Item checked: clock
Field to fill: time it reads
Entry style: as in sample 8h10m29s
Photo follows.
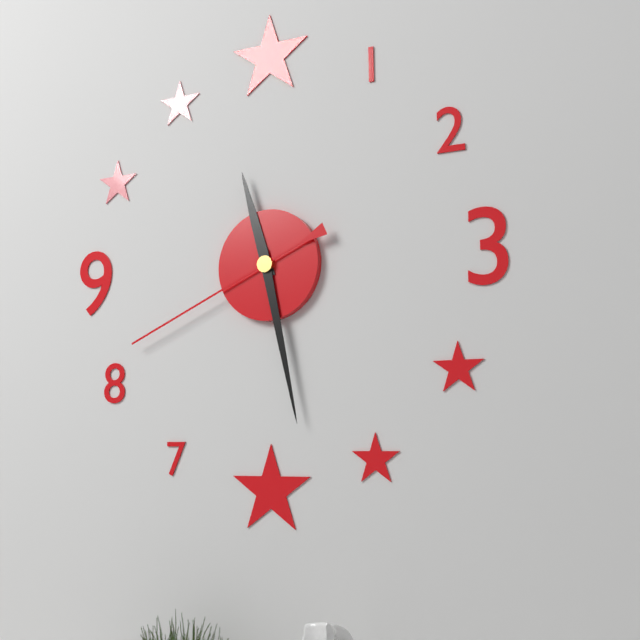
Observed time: 11h28m41s
